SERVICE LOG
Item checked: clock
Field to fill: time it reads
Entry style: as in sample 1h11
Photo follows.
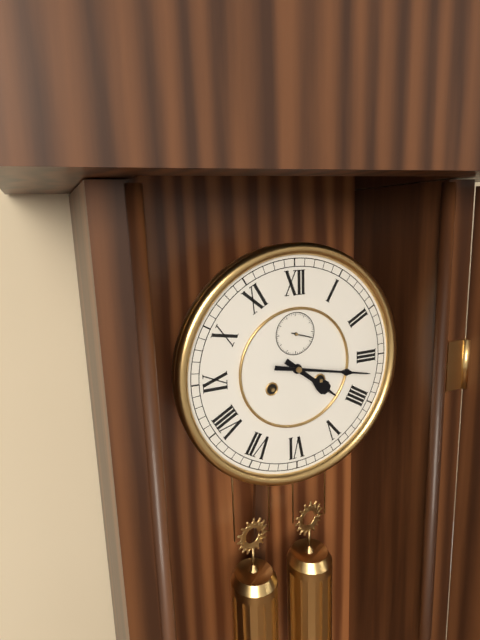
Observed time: 4h17
